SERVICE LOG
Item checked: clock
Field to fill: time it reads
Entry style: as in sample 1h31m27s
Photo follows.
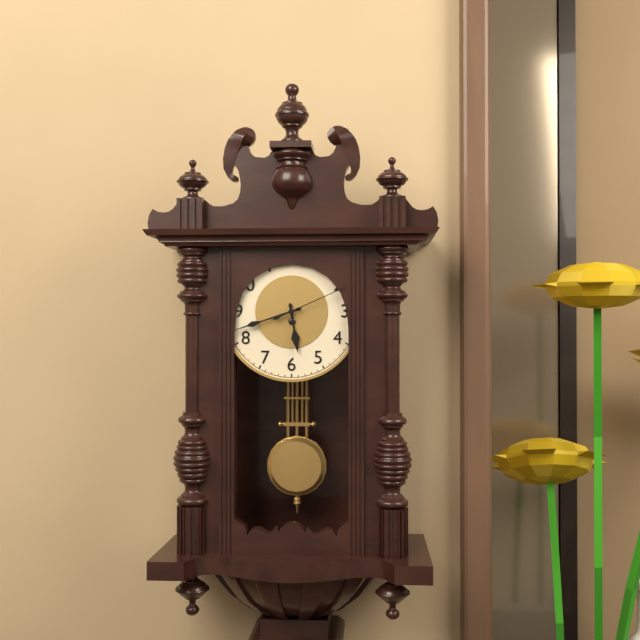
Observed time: 5h42m11s
